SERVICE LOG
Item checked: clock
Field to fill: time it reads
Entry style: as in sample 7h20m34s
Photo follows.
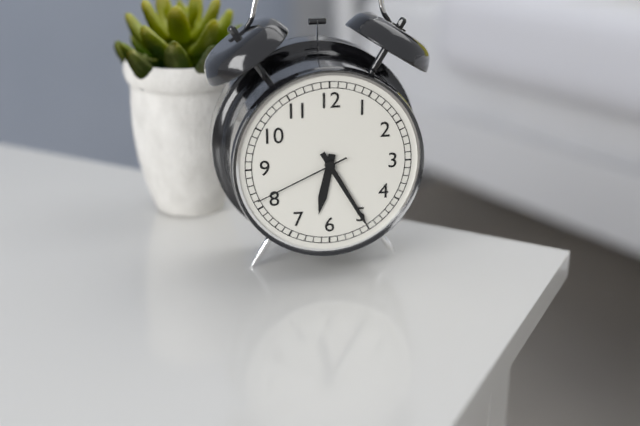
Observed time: 6h25m41s
